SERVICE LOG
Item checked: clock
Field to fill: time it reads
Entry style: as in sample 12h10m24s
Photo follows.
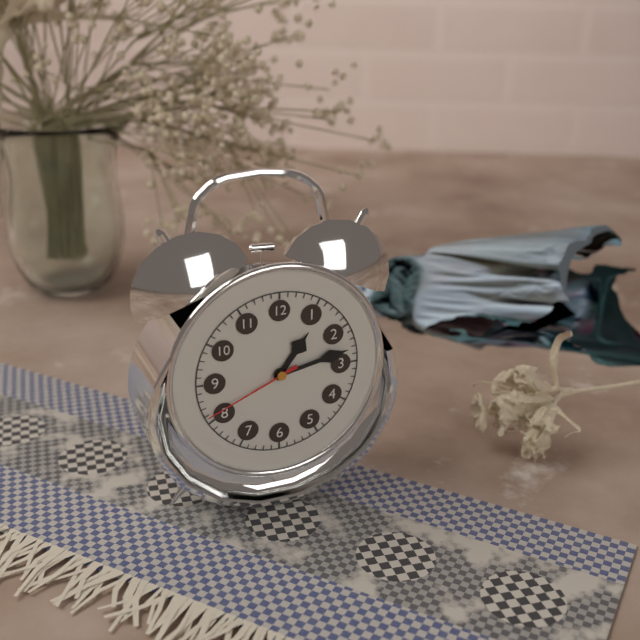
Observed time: 1h13m41s
